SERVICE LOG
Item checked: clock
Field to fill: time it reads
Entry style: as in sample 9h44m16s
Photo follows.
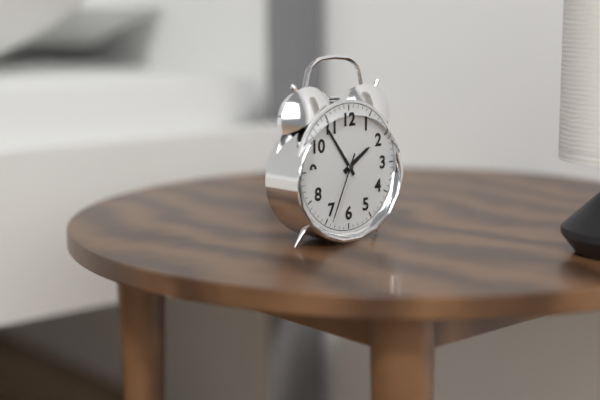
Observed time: 1h54m34s
